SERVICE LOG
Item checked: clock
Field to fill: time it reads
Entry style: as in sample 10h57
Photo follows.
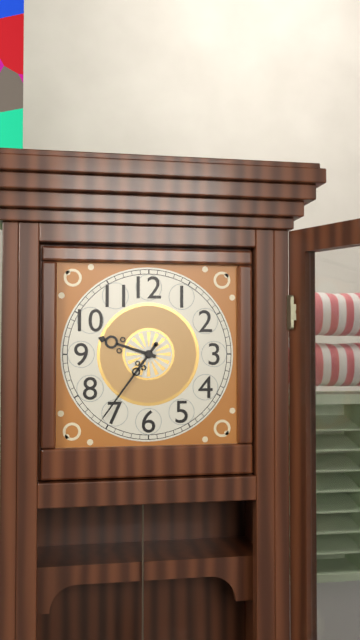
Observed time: 9h36
